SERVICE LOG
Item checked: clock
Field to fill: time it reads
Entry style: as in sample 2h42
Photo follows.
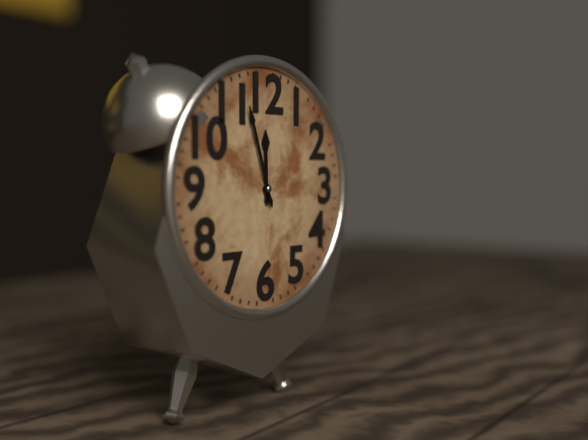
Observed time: 11h57
